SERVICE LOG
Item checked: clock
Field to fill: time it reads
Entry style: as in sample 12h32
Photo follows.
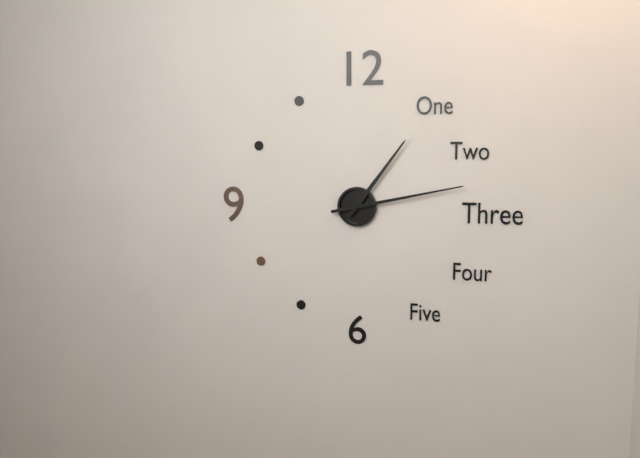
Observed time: 1h13
